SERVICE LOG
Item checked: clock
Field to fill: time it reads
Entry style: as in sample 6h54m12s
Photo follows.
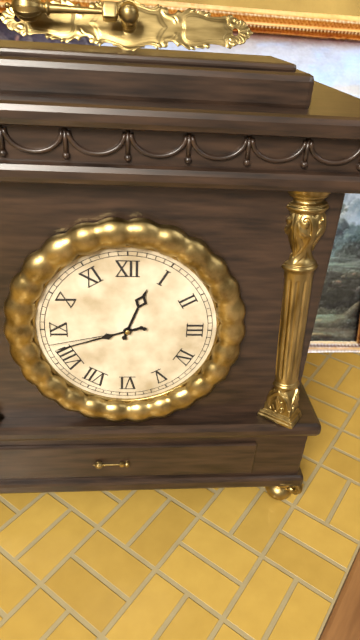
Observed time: 12h42m43s
